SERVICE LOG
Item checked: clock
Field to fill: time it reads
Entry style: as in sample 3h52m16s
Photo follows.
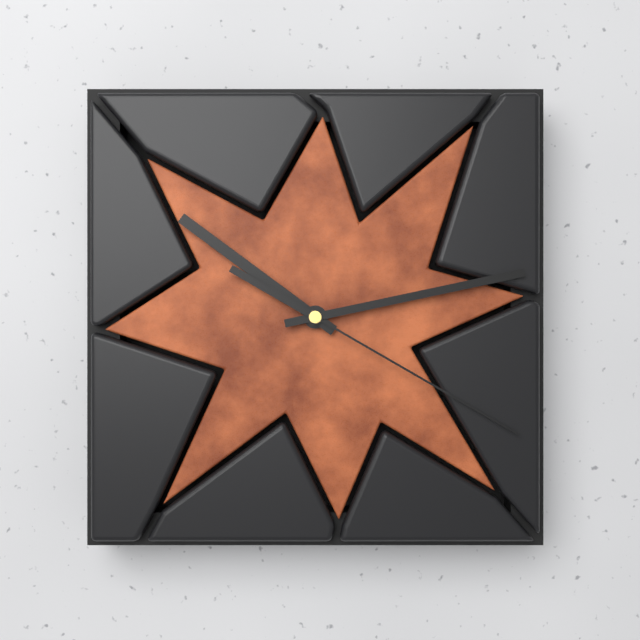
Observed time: 10h13m20s
